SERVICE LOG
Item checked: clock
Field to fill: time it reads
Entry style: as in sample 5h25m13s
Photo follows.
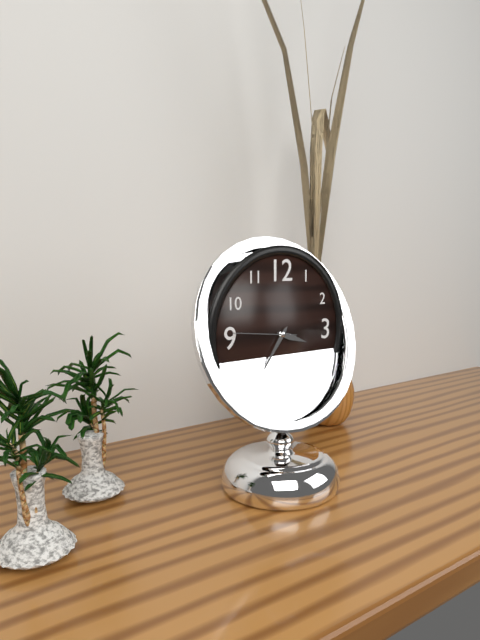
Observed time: 3h36m46s
